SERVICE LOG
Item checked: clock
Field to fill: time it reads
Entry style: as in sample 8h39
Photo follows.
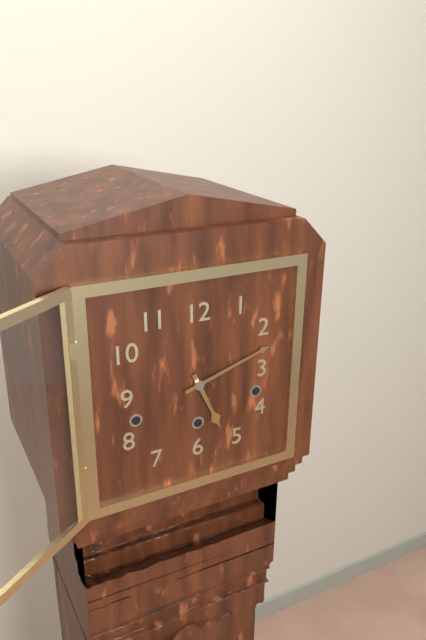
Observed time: 5h12
